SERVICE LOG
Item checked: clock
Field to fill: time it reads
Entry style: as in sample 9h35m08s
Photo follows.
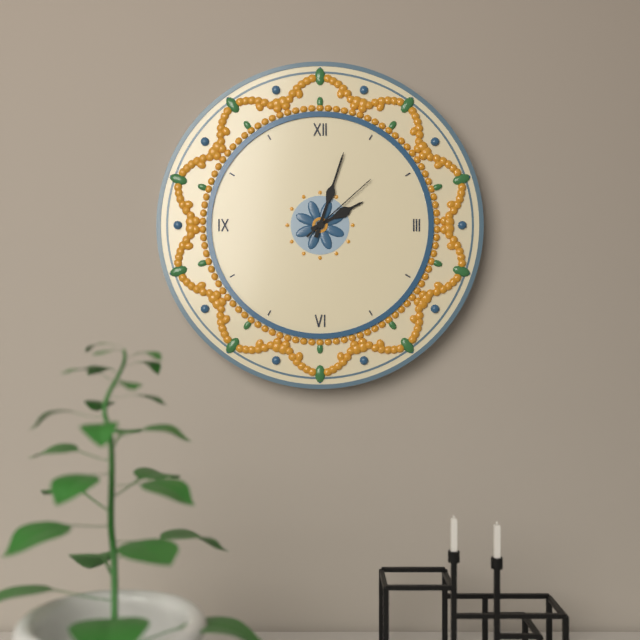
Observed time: 2h03m08s
